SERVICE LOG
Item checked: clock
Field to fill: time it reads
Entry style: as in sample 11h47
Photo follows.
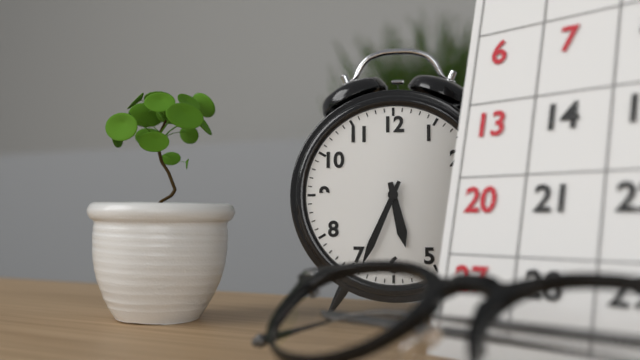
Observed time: 5h34
